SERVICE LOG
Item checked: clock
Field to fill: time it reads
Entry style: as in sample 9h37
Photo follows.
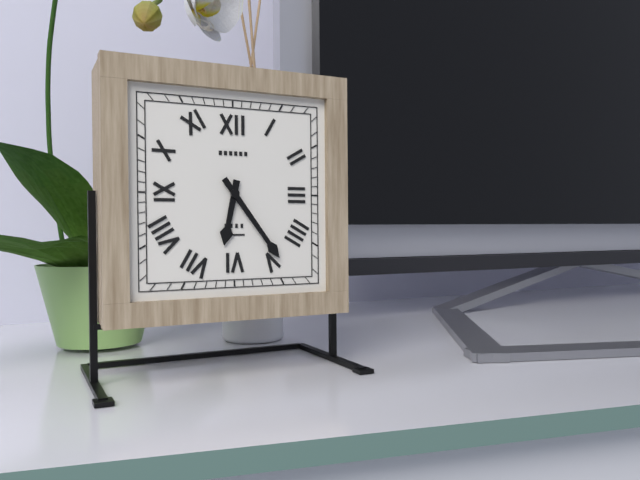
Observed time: 6h24
